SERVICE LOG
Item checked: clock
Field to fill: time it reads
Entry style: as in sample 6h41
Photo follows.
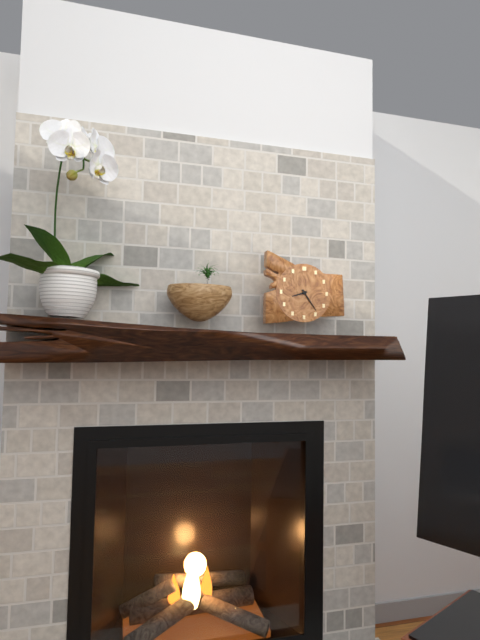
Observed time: 8h24
